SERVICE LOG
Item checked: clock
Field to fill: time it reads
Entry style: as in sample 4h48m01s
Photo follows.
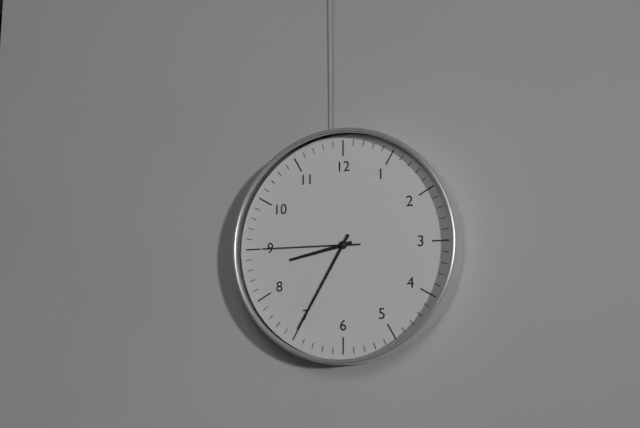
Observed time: 8h35m45s
